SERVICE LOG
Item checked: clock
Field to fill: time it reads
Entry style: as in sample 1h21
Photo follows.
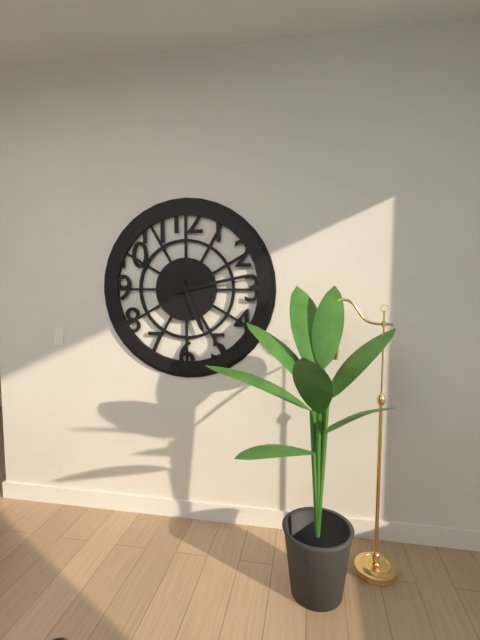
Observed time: 5h13
